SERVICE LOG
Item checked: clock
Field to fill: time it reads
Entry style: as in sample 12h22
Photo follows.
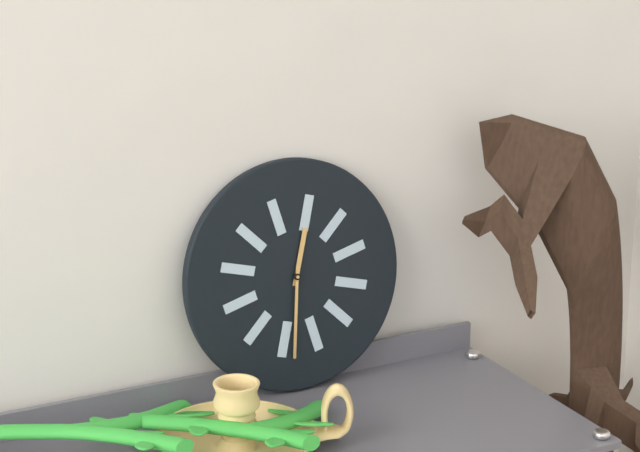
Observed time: 12h31
